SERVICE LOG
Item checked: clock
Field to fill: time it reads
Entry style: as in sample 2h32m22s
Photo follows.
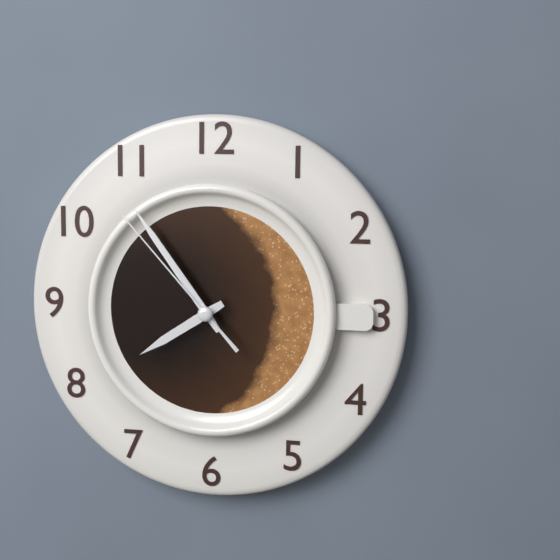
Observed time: 7h54m53s
